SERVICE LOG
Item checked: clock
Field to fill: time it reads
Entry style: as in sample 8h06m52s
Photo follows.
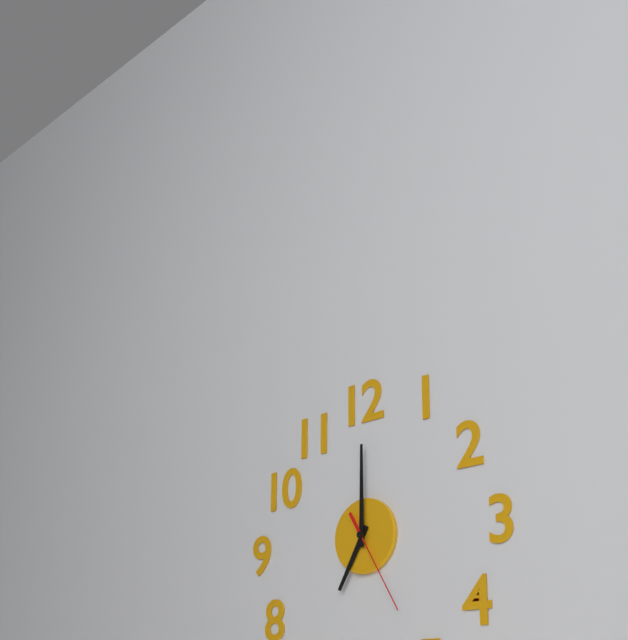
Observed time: 7h00m25s
